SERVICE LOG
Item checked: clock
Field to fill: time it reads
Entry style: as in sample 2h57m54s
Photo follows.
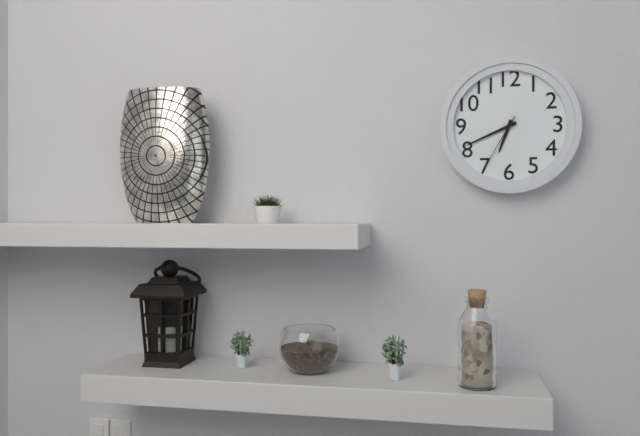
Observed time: 6h41m35s
